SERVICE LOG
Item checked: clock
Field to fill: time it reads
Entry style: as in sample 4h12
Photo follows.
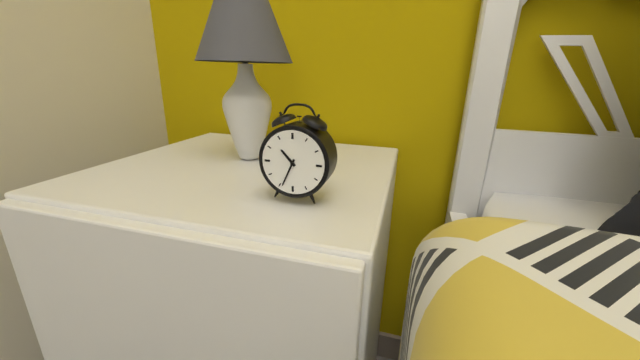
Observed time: 10h34
